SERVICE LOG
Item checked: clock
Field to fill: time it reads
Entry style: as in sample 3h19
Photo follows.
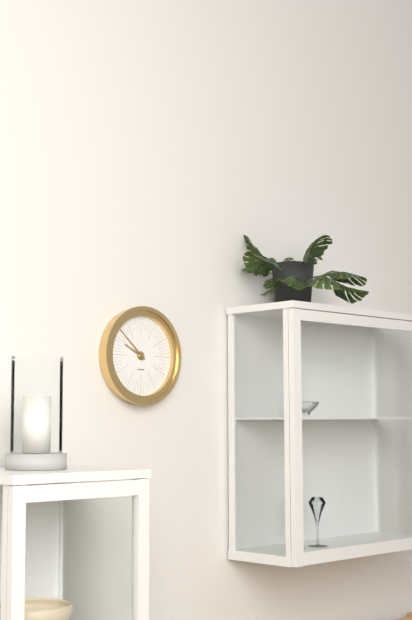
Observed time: 9h52
